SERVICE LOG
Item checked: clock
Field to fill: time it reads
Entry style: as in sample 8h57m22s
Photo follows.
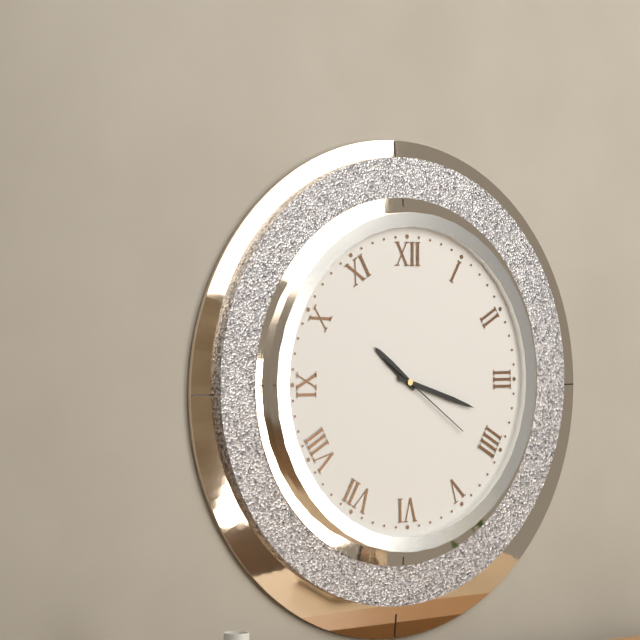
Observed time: 10h18m21s
